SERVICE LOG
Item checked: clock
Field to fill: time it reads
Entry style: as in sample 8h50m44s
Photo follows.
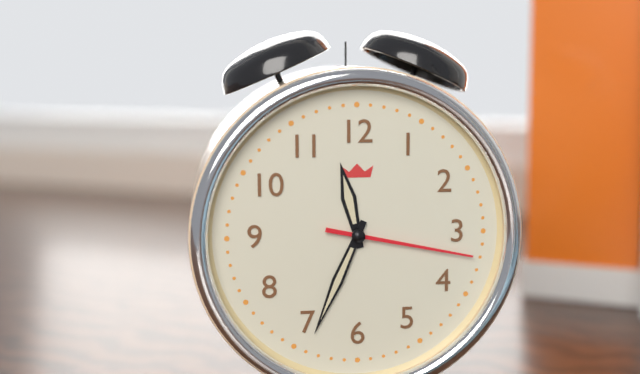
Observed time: 11h34m17s
